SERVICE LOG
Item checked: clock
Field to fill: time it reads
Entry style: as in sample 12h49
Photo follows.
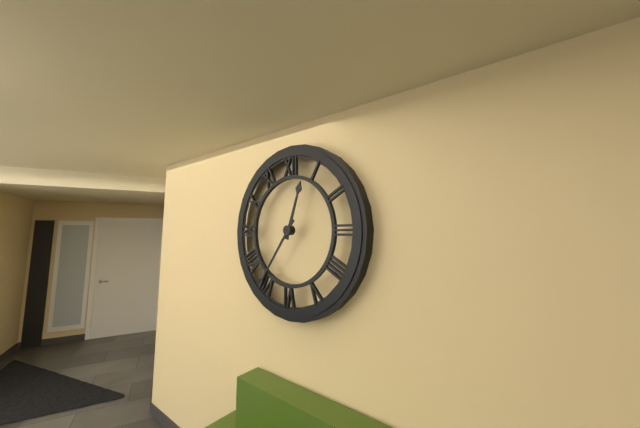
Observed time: 12h36
